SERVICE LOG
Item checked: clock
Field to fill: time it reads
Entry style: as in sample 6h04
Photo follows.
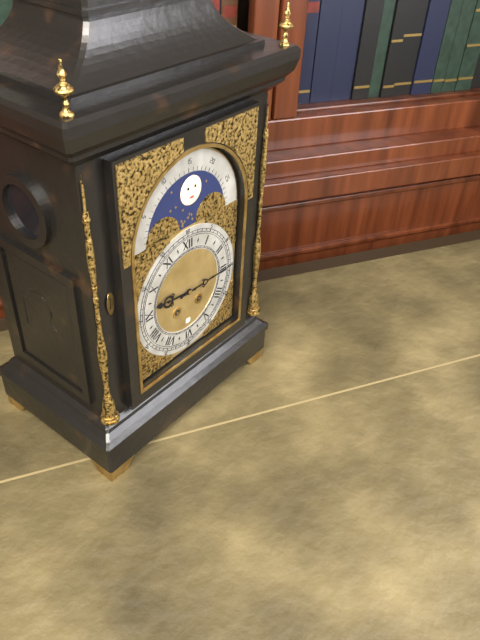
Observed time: 9h15
